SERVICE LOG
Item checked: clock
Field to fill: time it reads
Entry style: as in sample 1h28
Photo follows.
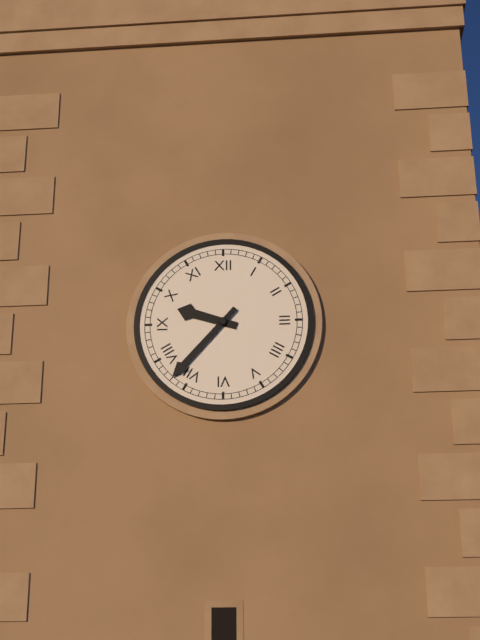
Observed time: 9h37
